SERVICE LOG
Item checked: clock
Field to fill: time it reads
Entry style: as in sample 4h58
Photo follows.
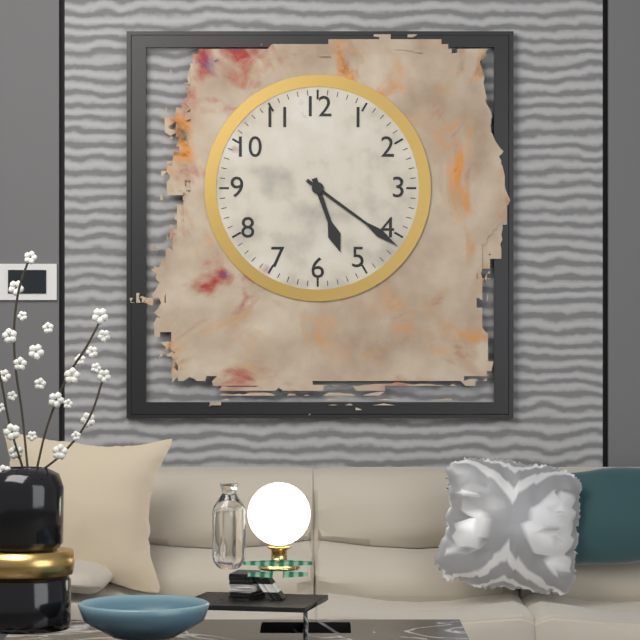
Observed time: 5h21
